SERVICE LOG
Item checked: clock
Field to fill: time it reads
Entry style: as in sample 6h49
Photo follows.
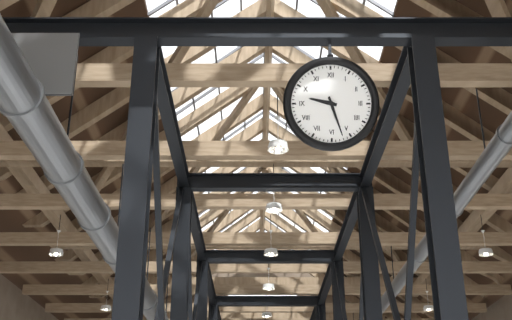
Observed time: 9h27
